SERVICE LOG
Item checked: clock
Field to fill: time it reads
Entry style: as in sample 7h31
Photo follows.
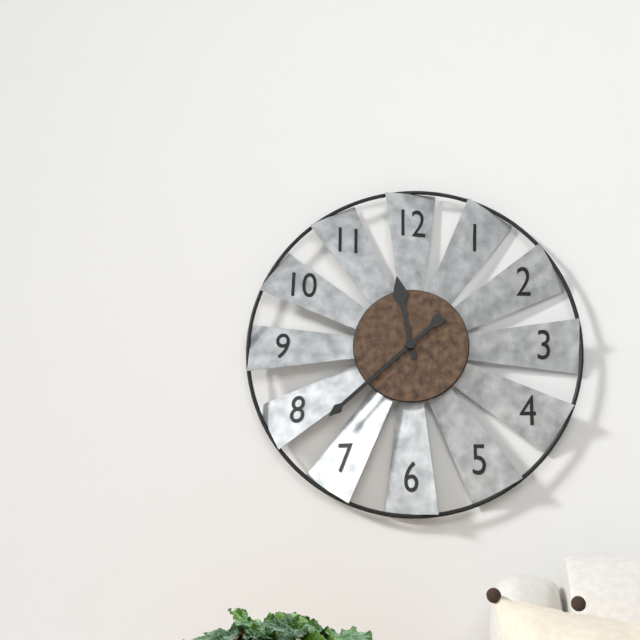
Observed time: 11h38
